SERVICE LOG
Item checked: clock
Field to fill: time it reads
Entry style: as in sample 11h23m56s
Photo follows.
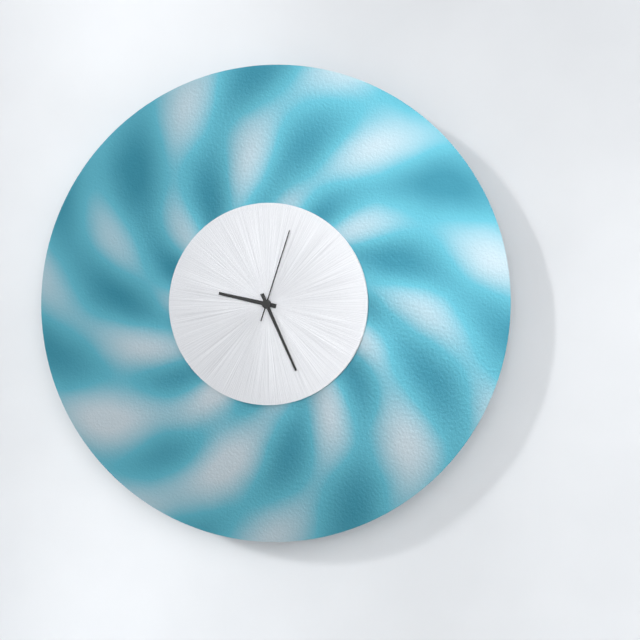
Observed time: 9h26m03s
